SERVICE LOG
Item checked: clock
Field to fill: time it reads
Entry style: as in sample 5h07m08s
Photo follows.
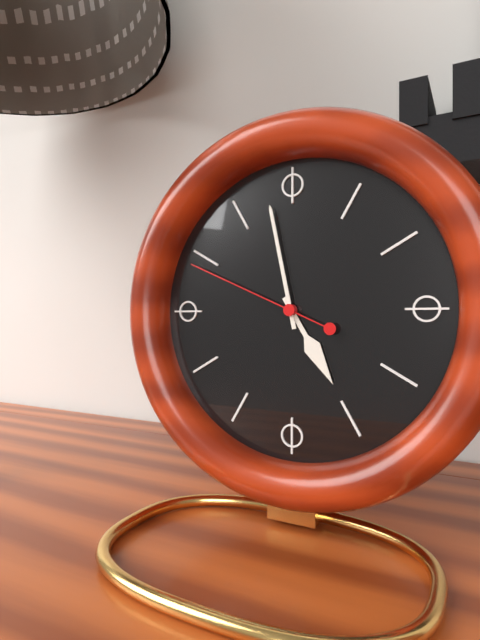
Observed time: 4h58m49s
